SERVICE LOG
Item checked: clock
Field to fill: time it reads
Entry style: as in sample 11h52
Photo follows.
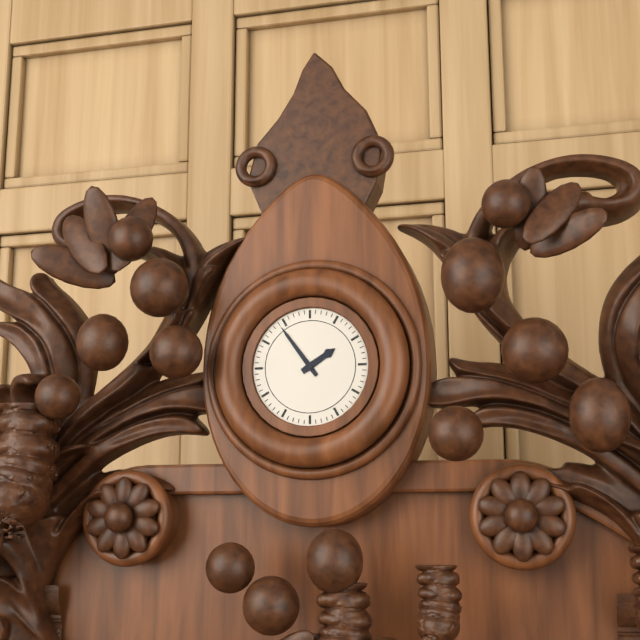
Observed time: 1h54
